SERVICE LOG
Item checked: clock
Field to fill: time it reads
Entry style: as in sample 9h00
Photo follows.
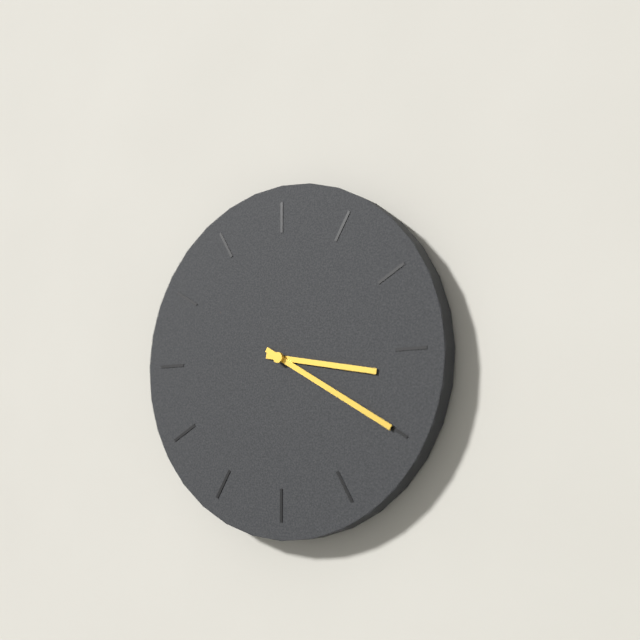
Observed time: 3h20
